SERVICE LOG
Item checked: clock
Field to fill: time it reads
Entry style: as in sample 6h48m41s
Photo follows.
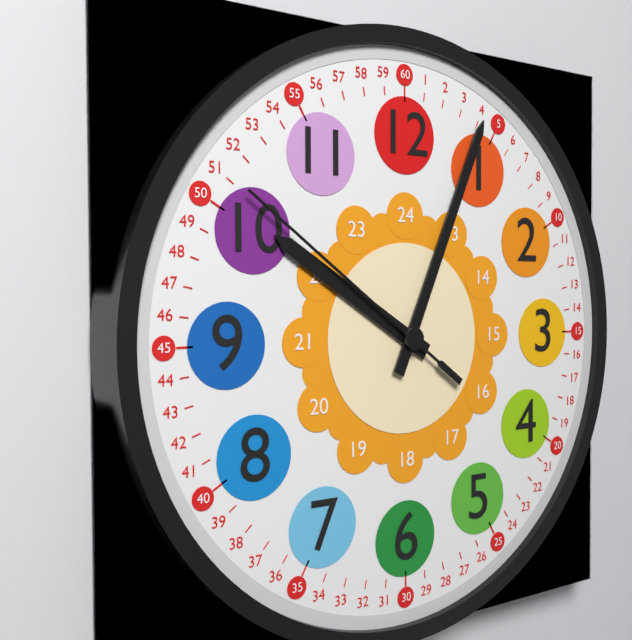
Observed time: 10h04m51s
